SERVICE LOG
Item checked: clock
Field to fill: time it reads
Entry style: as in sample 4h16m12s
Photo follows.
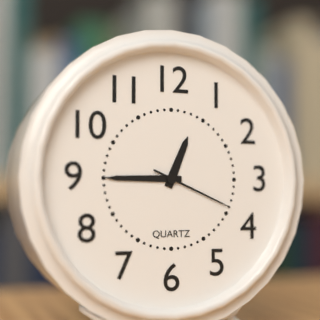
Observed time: 12h45m19s
